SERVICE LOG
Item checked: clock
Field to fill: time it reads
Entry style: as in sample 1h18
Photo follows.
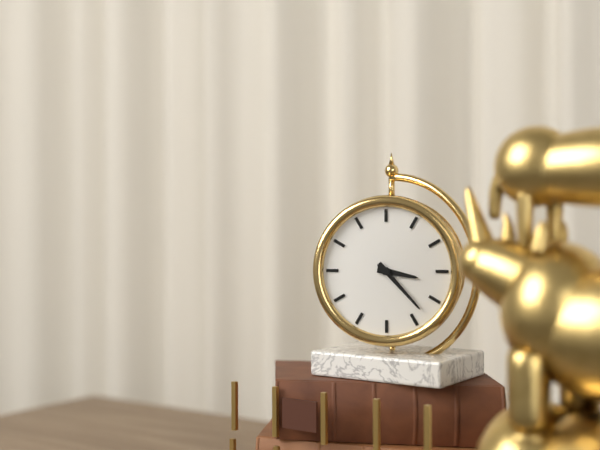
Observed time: 3h23
